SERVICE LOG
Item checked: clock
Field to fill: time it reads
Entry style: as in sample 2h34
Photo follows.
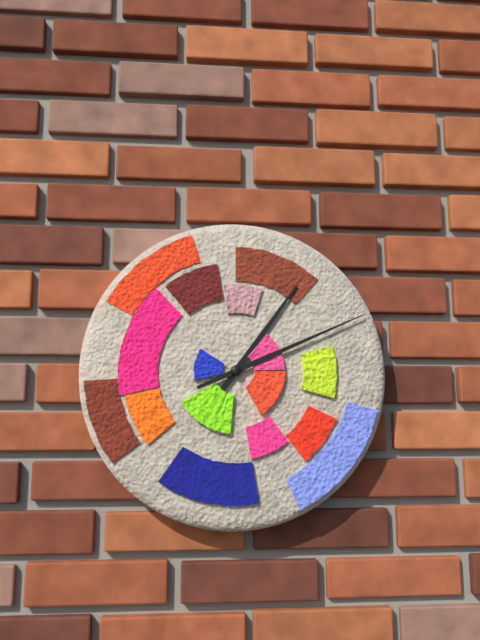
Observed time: 1h11
